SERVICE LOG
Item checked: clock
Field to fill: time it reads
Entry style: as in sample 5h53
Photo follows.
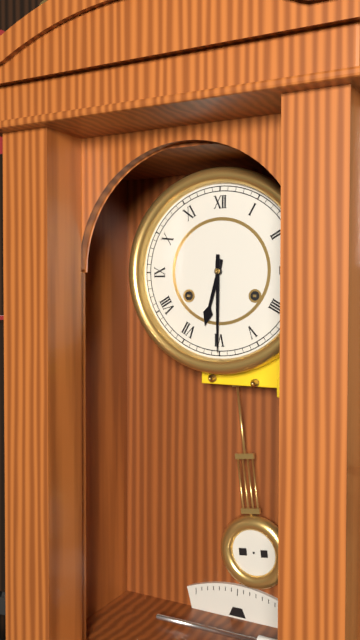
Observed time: 6h30
